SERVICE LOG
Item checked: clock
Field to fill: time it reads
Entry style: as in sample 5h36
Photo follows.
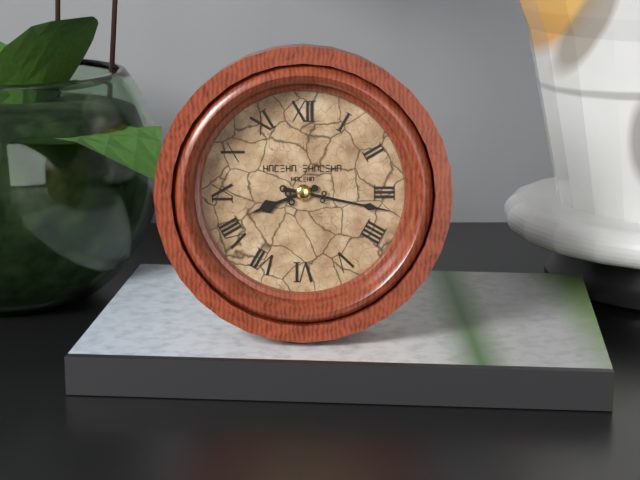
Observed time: 8h17
